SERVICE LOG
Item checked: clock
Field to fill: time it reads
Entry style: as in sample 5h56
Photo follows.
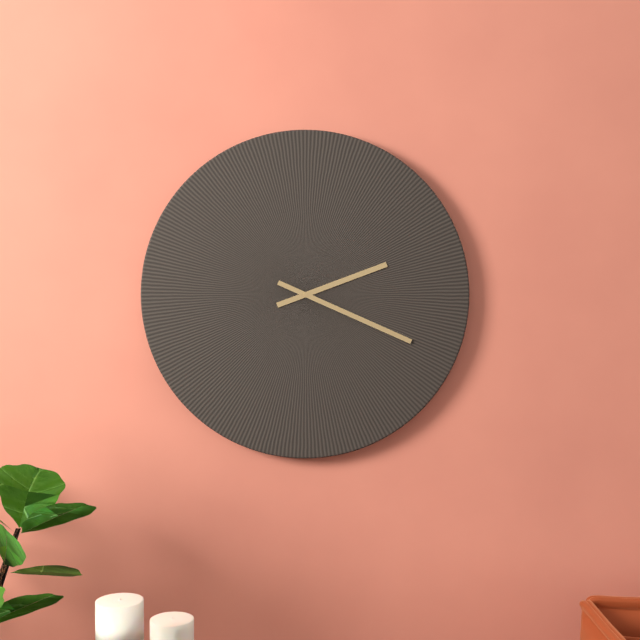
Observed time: 2h19
